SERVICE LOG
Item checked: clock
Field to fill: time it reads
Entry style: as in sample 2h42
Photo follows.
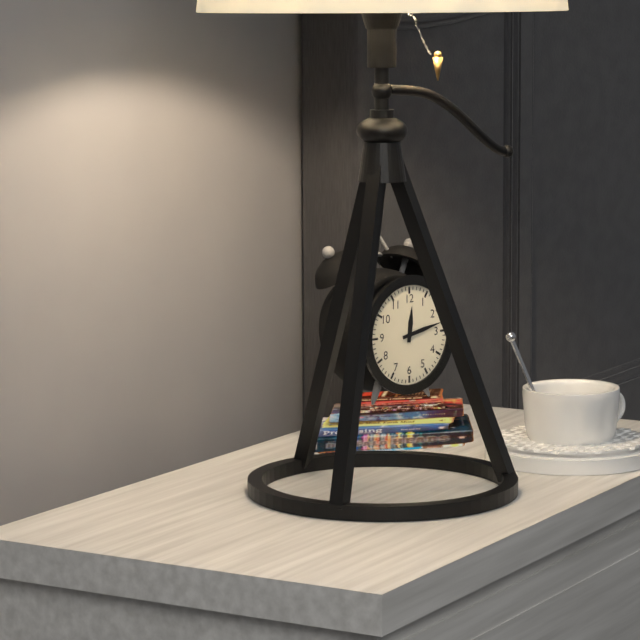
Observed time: 12h13
